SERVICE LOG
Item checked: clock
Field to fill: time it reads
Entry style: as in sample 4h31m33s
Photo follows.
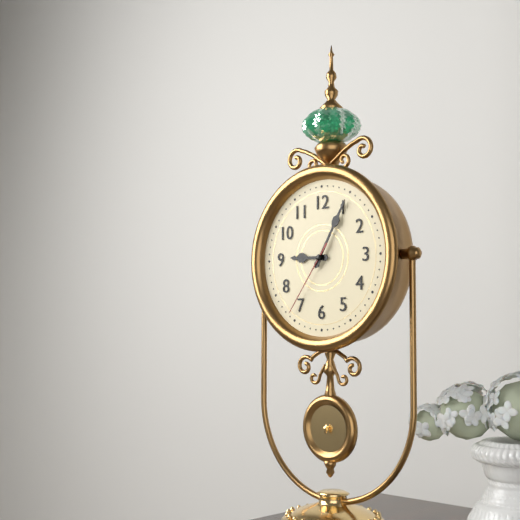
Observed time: 9h05m36s
